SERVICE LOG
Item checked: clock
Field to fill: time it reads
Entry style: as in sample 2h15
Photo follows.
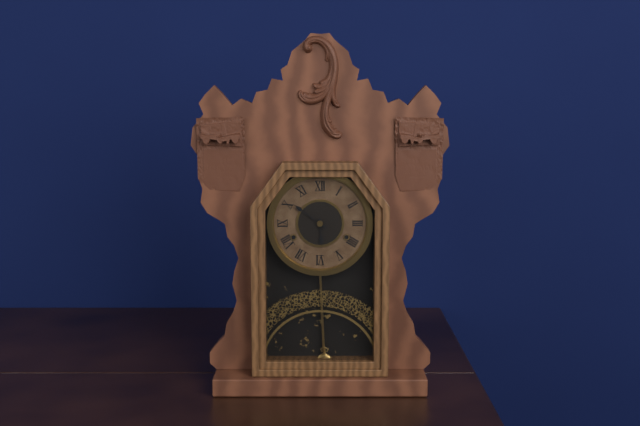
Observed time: 5h51
